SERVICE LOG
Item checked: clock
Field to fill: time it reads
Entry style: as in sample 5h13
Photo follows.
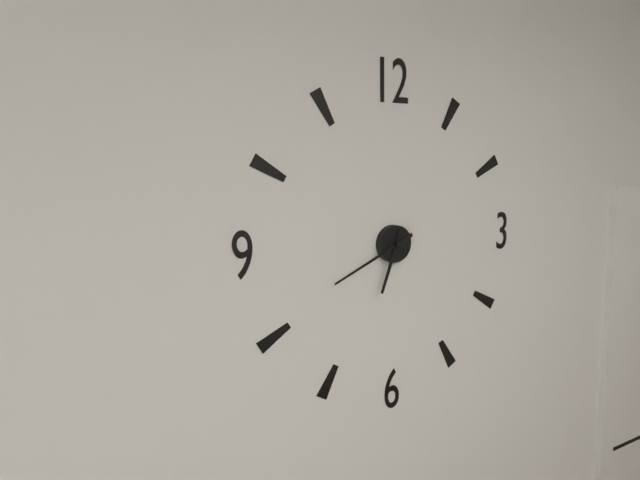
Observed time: 6h41
